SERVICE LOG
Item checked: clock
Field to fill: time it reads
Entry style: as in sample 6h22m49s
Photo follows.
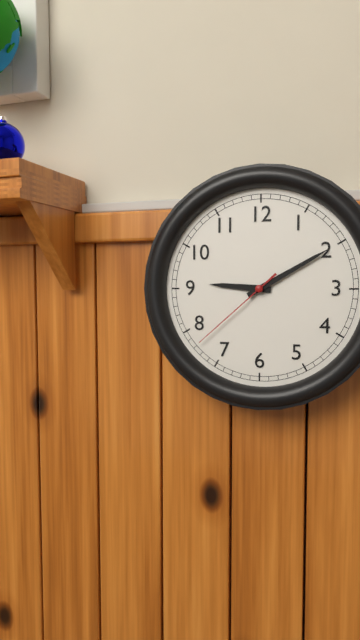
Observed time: 9h10m38s
